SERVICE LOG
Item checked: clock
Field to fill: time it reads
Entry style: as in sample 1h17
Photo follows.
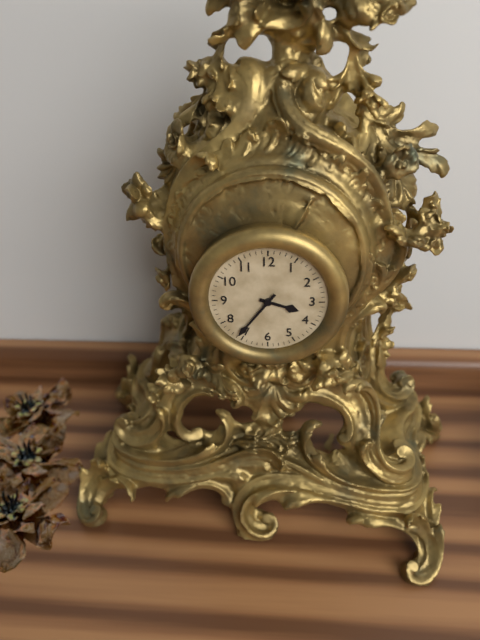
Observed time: 3h36
